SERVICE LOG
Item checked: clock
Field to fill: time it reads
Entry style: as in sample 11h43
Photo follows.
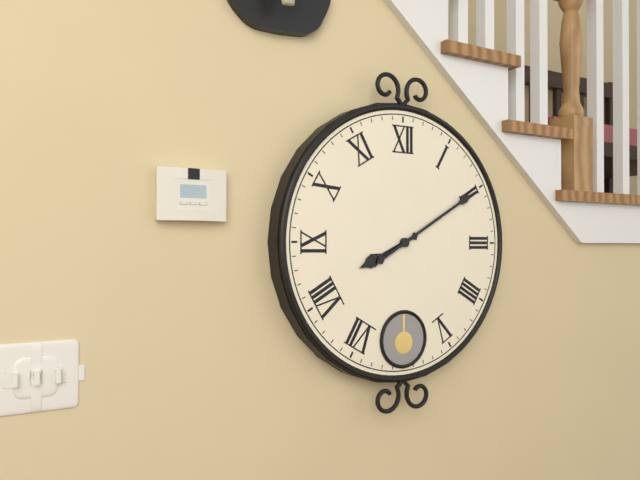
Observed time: 8h10
